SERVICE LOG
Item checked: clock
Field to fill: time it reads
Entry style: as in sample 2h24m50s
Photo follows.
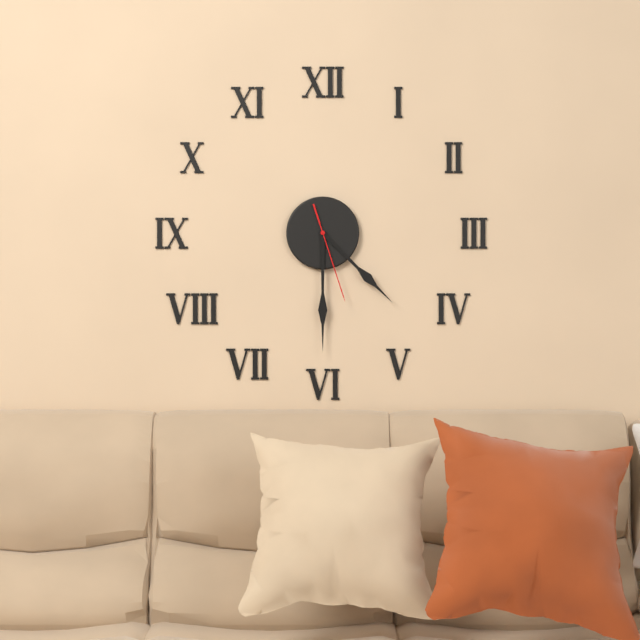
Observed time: 4h30m27s
